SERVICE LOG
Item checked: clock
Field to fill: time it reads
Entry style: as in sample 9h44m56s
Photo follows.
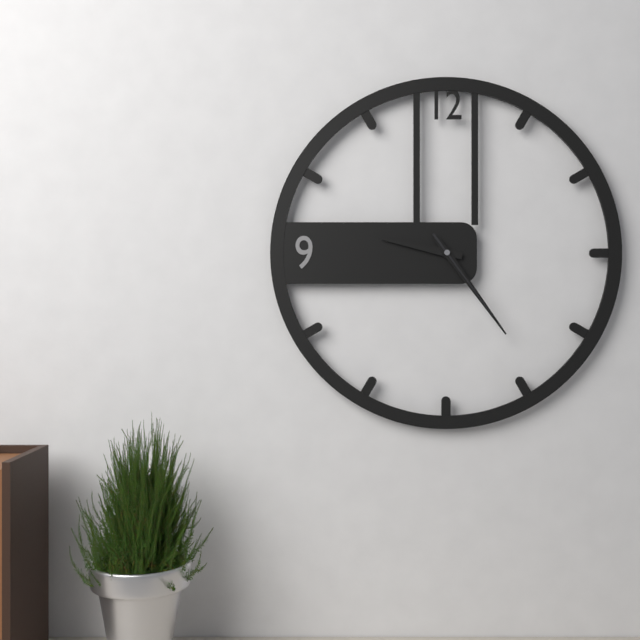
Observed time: 9h24m24s
